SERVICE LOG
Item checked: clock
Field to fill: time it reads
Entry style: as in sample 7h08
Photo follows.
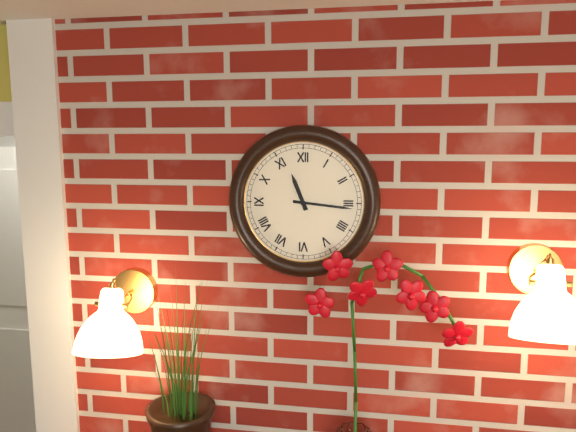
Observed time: 11h16
